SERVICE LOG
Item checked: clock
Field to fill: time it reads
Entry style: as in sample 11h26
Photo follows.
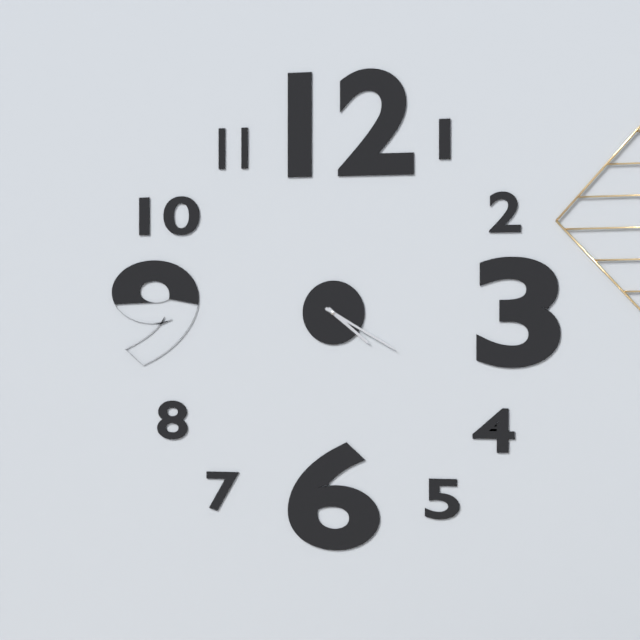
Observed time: 4h20
